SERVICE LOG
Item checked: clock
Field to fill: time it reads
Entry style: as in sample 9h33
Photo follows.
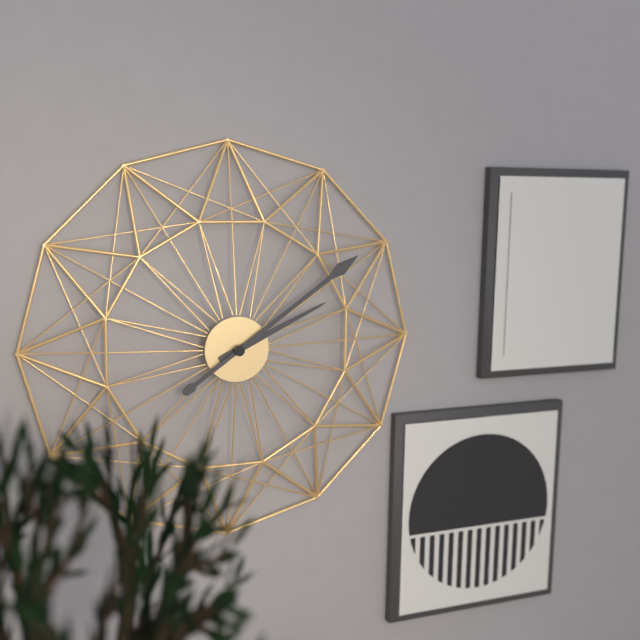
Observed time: 2h09
